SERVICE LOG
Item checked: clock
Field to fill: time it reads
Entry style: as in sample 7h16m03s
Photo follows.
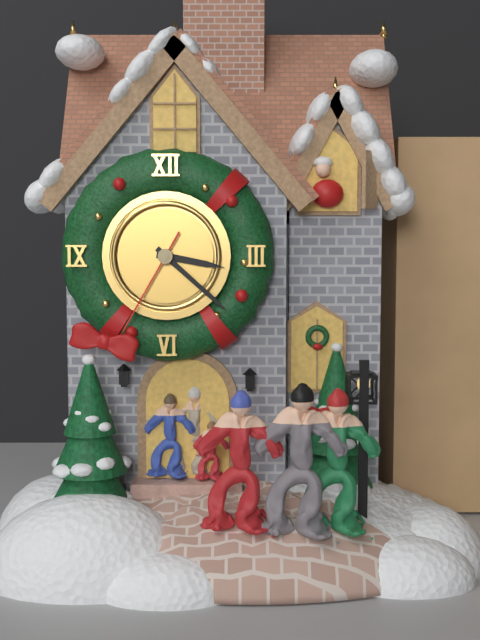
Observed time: 3h22m35s
